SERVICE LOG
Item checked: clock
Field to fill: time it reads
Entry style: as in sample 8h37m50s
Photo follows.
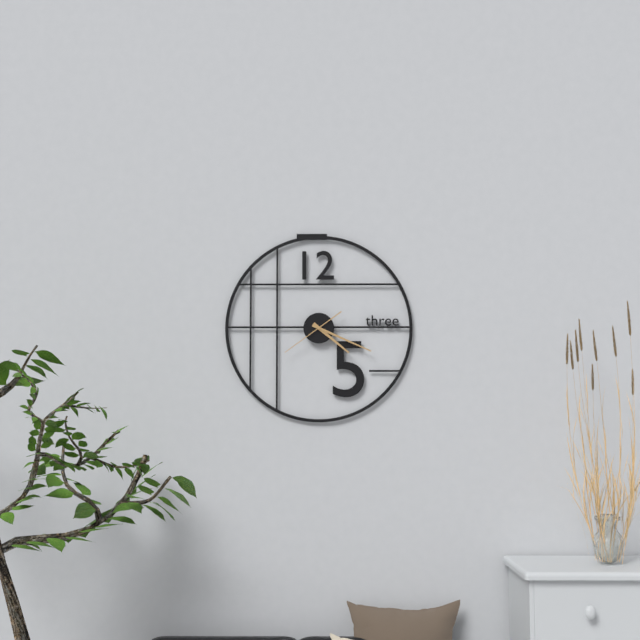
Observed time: 4h19m39s
